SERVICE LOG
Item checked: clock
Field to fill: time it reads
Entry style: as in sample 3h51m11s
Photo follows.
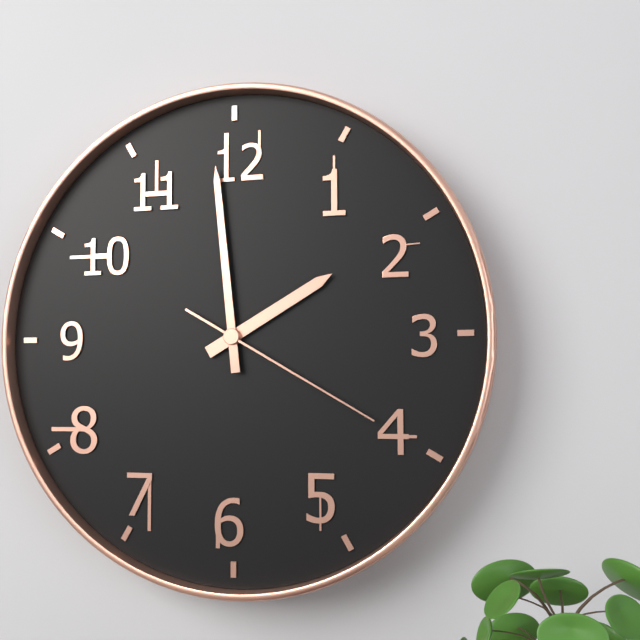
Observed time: 1h59m20s
